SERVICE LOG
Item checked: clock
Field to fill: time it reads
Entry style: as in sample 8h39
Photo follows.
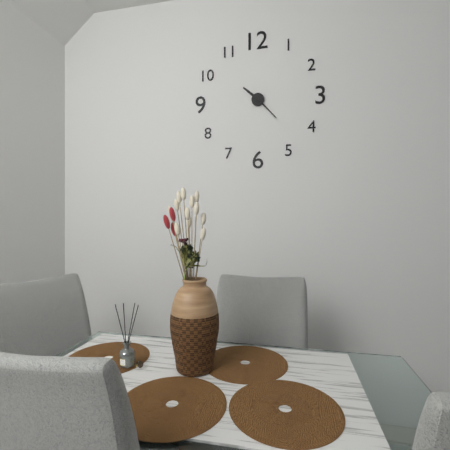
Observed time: 10h23
